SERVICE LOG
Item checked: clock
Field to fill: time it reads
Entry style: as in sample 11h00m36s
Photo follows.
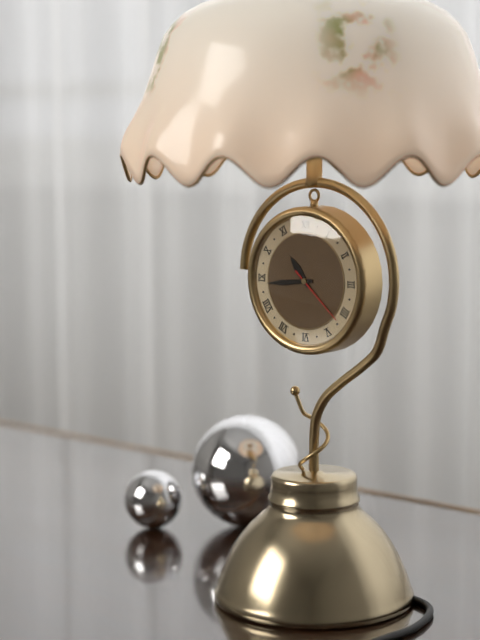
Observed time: 10h44m22s
